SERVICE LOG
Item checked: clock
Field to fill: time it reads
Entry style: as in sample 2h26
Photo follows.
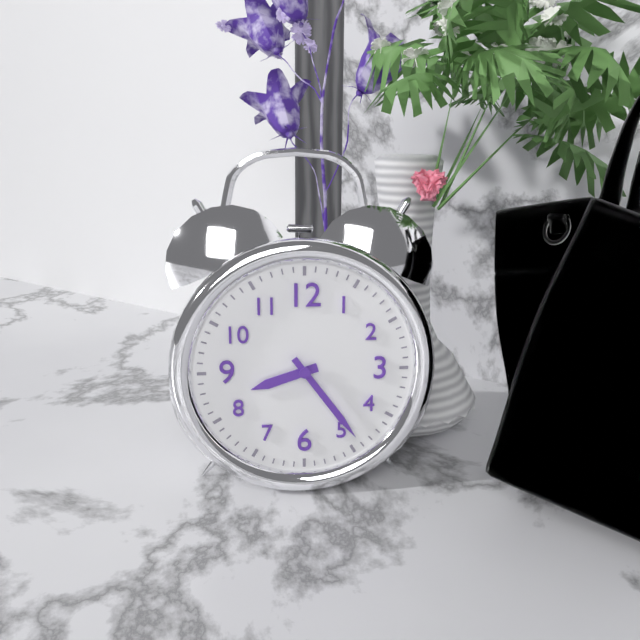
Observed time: 8h24
